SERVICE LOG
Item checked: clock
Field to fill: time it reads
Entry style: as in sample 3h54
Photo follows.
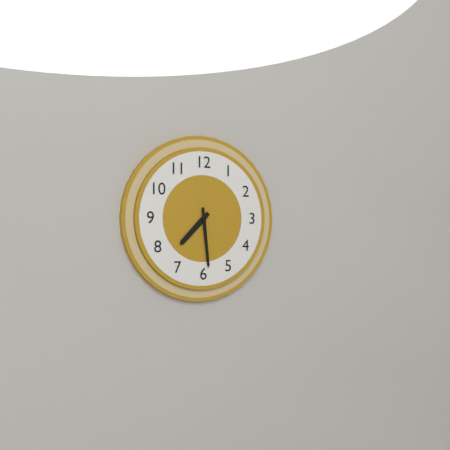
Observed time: 7h29
